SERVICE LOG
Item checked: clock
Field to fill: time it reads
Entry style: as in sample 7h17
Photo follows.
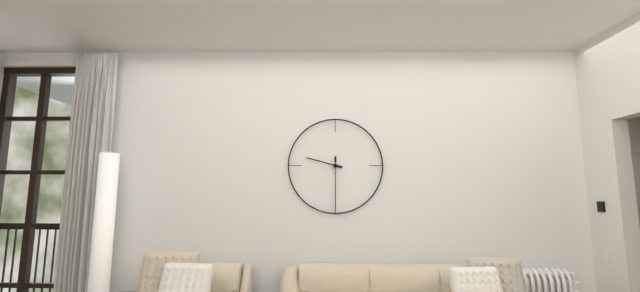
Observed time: 9h30
